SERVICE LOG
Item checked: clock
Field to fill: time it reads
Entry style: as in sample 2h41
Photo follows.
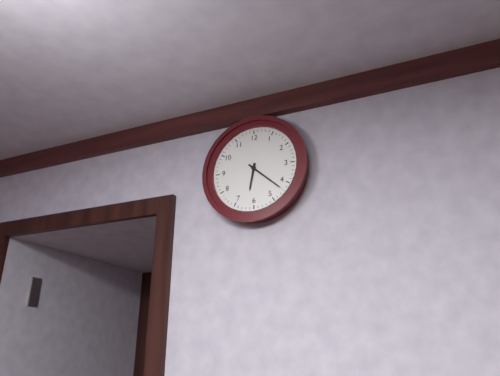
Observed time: 6h22
